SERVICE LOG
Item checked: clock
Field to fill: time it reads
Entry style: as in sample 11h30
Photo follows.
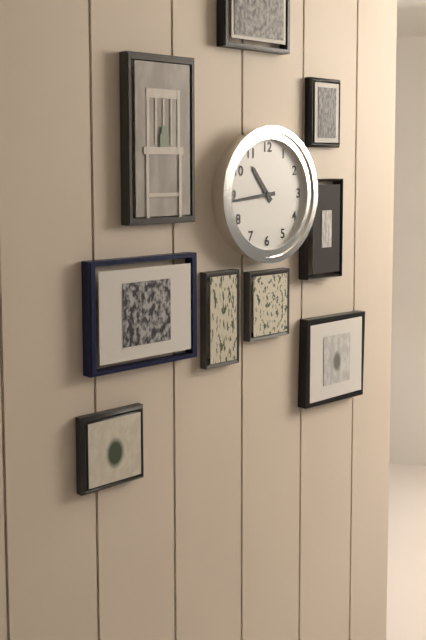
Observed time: 10h44
